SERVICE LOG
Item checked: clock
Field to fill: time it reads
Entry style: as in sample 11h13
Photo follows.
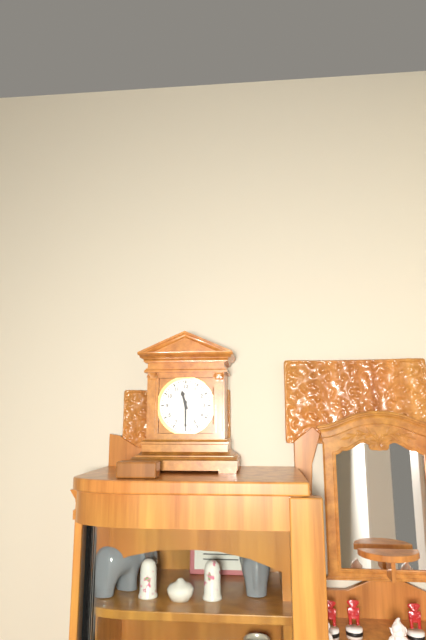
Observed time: 11h30
